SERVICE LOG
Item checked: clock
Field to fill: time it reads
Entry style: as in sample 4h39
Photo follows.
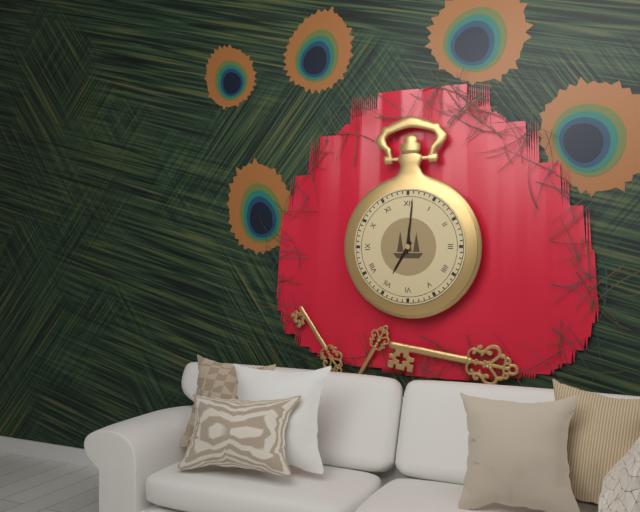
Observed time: 7h01
